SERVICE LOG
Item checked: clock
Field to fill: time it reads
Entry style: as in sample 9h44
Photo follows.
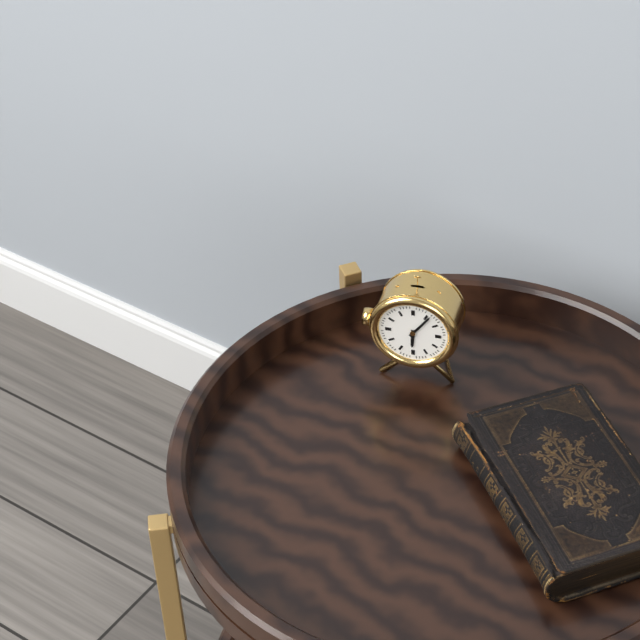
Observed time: 6h06
